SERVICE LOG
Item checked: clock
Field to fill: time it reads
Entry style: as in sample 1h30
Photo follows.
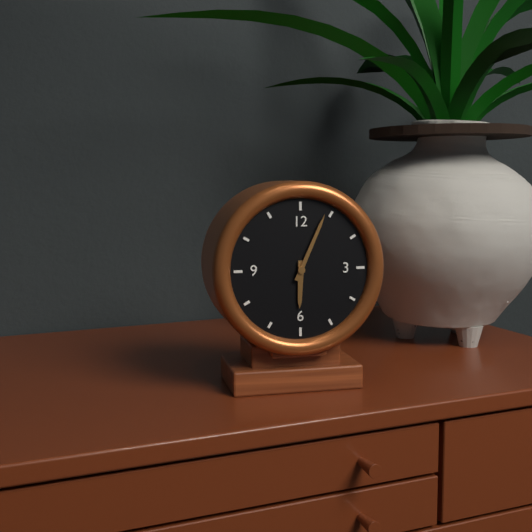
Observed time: 6h04
